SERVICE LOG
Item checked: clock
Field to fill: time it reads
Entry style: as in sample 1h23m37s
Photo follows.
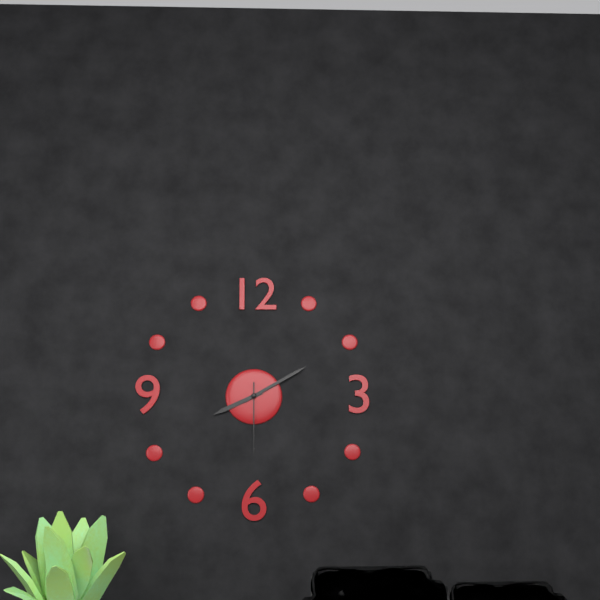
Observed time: 8h10m30s
